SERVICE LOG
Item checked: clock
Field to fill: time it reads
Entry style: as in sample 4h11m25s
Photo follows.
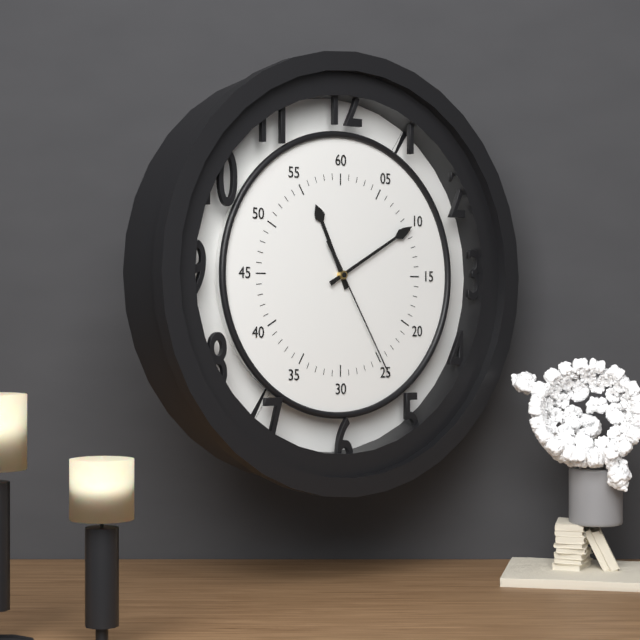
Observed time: 11h10m25s
